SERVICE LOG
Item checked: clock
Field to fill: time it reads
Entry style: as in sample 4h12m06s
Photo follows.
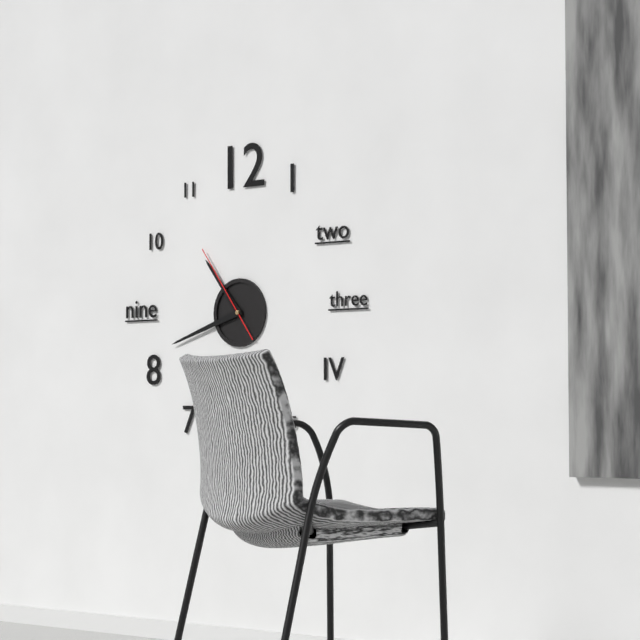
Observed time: 10h42m54s
